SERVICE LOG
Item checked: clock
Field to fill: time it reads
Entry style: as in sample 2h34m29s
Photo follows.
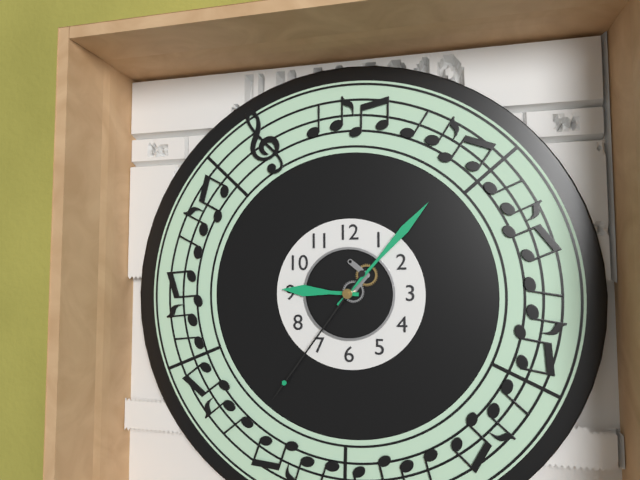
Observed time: 9h07m36s
